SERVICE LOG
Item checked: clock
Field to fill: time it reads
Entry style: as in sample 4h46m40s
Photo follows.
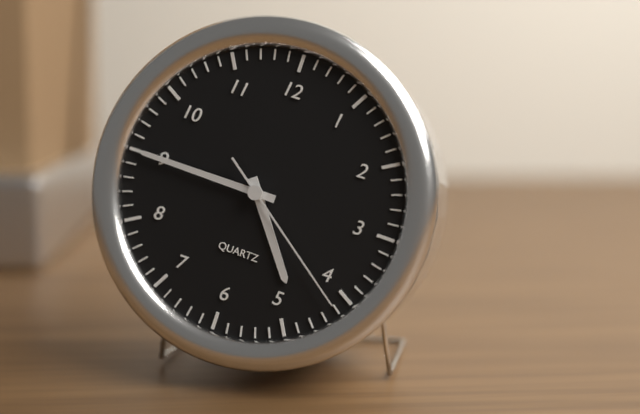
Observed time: 4h45m21s
